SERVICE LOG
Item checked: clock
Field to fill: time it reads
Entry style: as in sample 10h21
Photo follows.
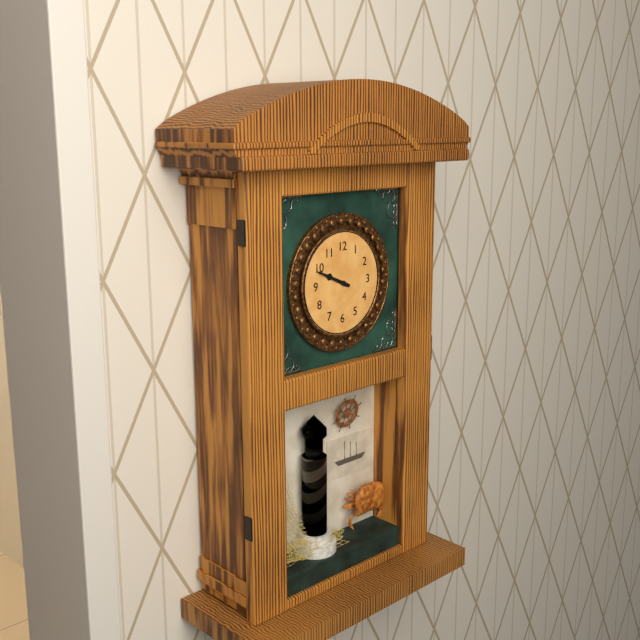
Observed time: 9h49
